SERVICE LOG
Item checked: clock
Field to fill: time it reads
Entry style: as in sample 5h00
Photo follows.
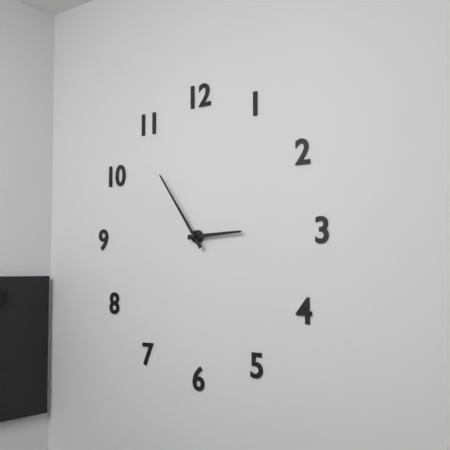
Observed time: 2h54
